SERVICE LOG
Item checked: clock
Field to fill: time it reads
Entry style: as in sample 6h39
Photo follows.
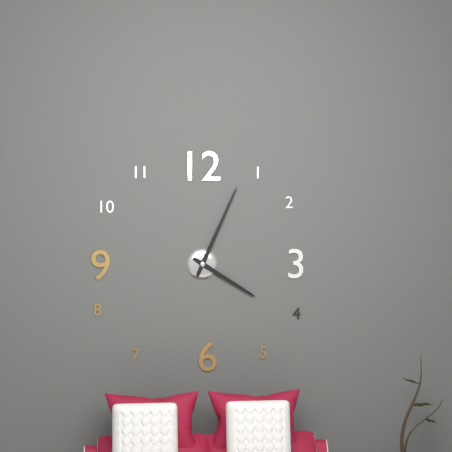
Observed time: 4h04
